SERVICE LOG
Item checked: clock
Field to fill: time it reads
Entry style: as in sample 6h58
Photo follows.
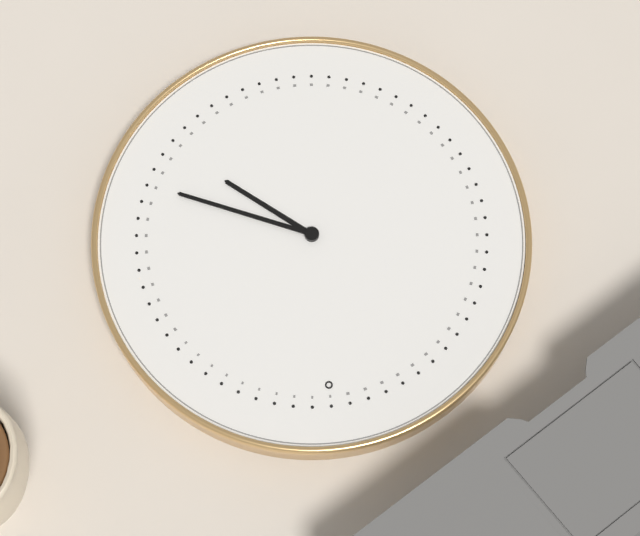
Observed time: 4h19
